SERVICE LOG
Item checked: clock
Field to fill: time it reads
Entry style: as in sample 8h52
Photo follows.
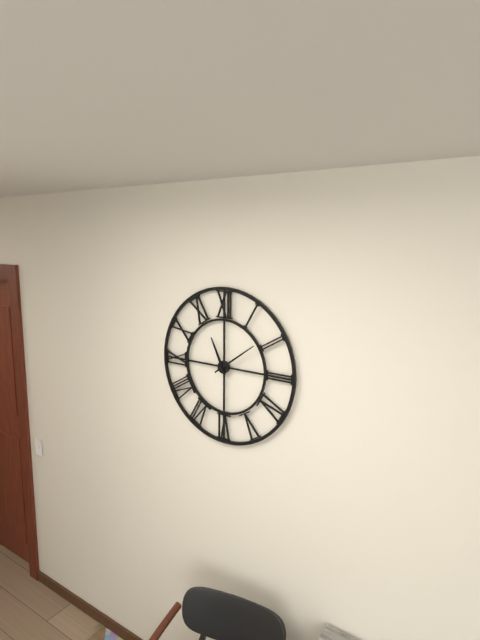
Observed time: 11h09
